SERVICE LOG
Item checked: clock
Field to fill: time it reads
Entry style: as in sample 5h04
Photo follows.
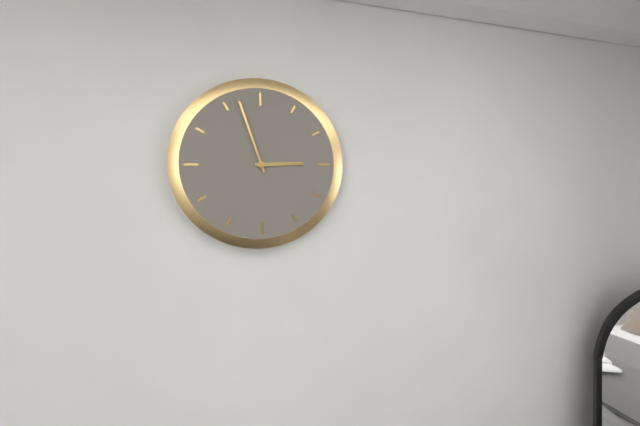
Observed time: 2h57
